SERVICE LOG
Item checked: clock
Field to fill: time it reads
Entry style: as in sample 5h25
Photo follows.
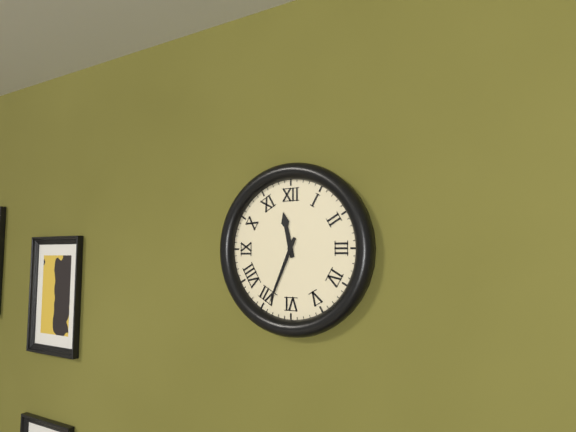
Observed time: 11h34
